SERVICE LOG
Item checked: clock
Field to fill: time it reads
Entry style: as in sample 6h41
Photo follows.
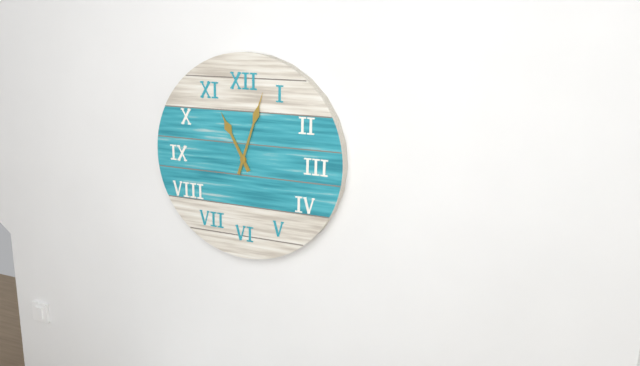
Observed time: 11h03
